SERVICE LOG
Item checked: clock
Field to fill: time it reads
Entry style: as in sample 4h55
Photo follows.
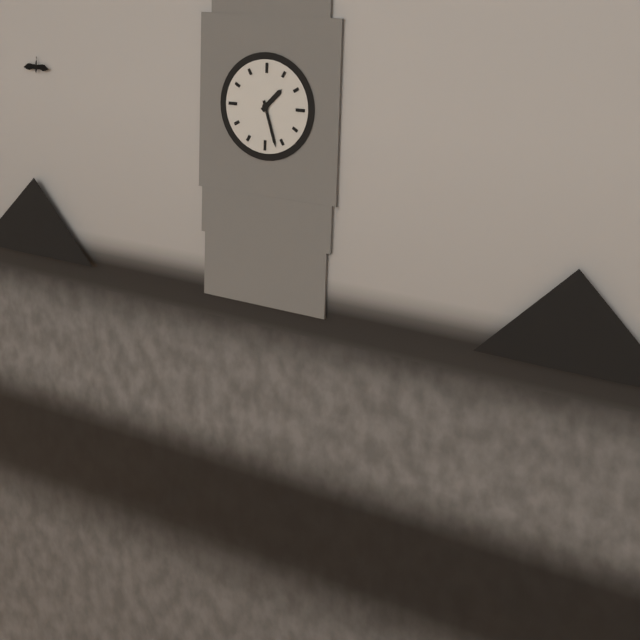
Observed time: 1h27
